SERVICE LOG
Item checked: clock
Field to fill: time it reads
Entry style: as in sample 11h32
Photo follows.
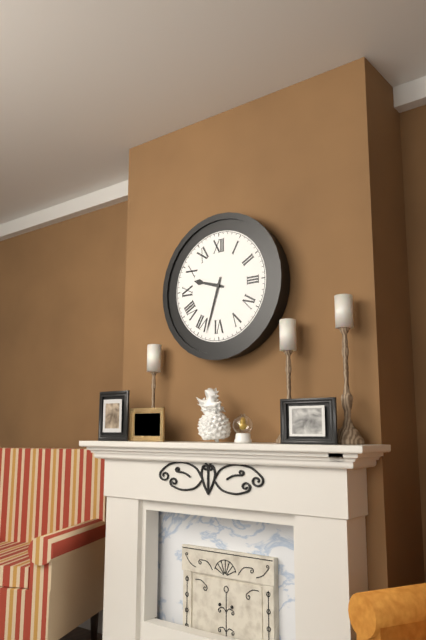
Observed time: 9h33
